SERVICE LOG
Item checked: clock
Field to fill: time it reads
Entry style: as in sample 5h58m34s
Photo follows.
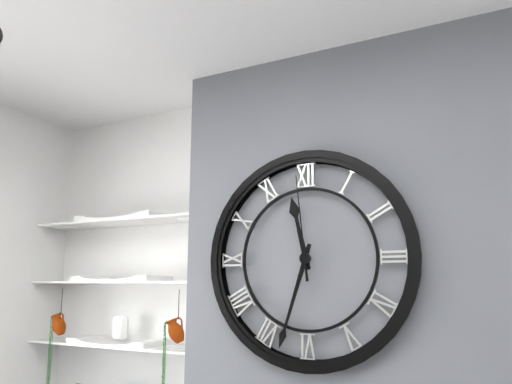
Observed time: 11h33m59s
